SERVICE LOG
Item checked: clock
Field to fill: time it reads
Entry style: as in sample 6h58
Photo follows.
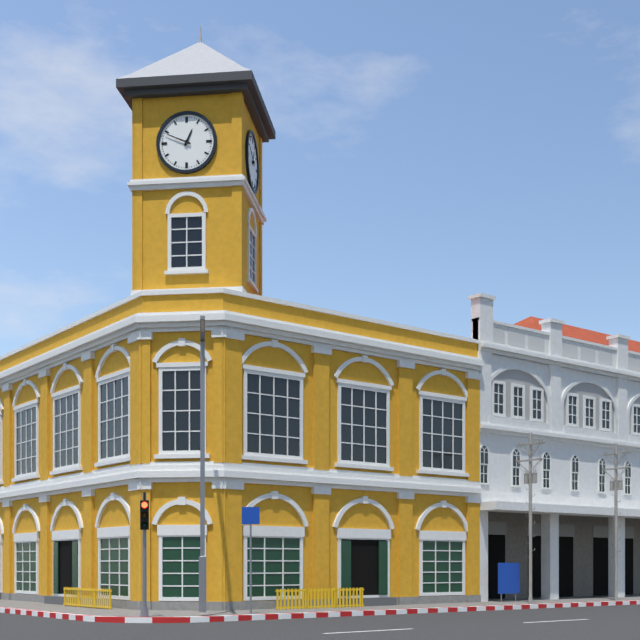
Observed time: 12h49
